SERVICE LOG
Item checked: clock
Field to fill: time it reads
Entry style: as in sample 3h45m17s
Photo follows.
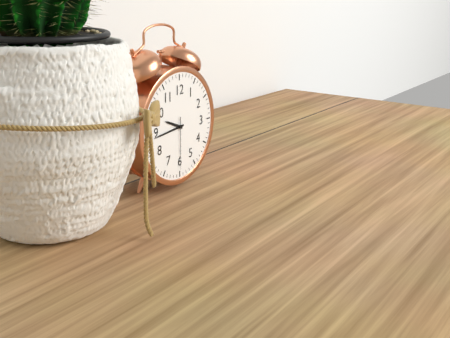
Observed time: 9h44m30s
